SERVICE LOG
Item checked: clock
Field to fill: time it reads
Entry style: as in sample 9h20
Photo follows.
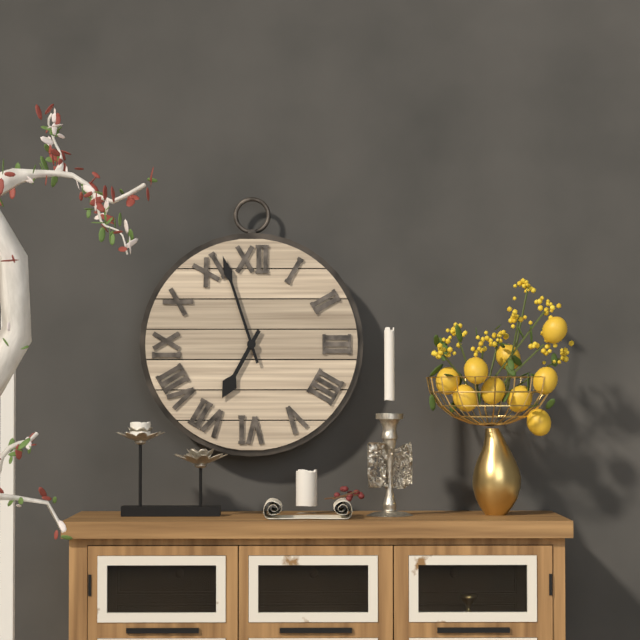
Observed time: 6h57
